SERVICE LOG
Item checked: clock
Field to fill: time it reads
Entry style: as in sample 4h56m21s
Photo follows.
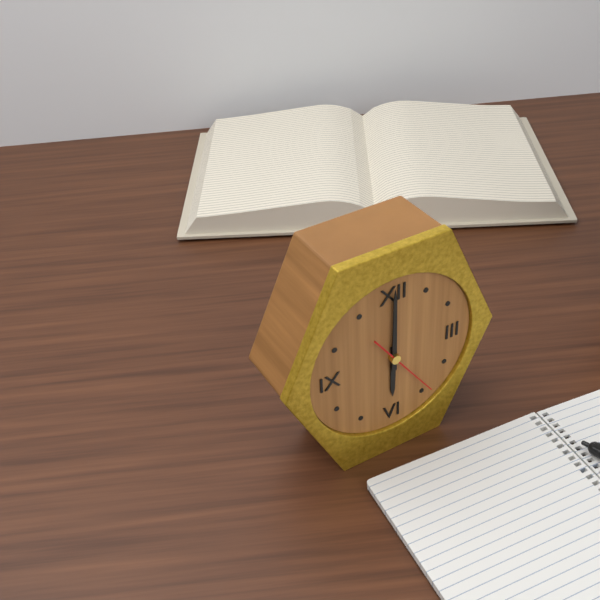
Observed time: 6h00m24s
